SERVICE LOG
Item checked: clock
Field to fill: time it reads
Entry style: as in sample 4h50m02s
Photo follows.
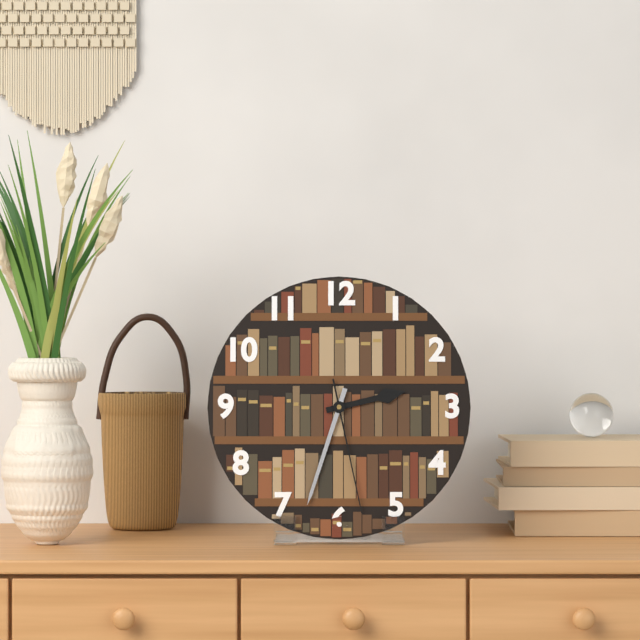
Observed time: 2h33m28s
